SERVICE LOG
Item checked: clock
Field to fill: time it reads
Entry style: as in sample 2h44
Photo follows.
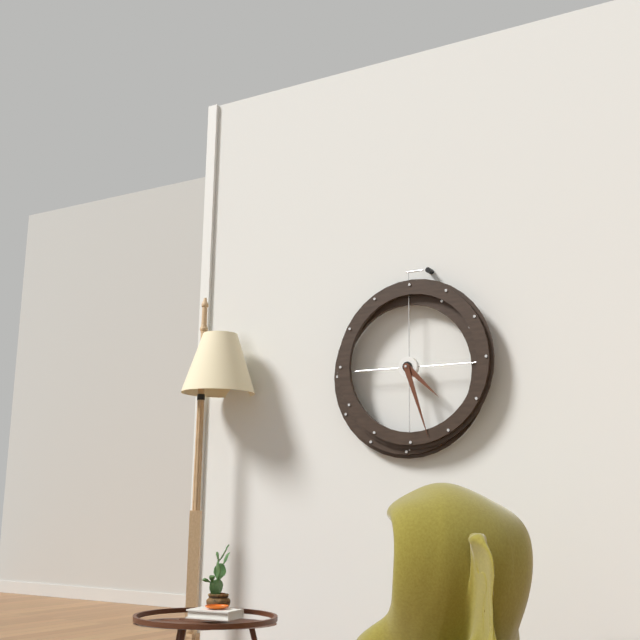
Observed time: 4h27
